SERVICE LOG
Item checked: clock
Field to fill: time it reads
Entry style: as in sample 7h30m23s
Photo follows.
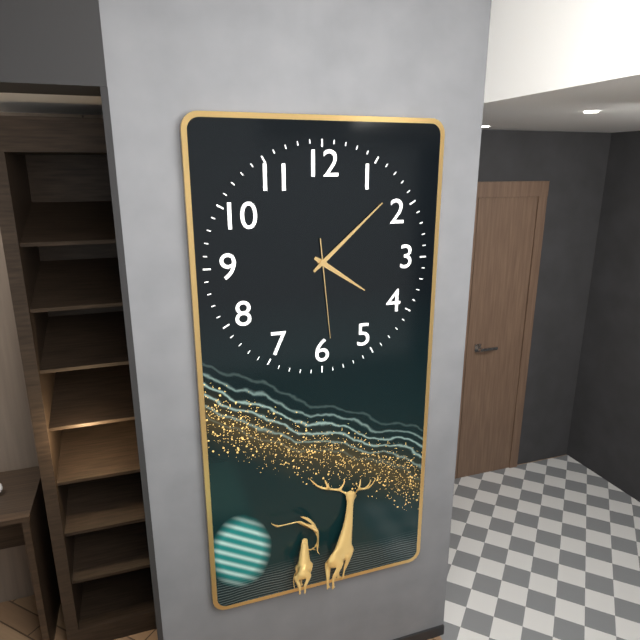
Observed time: 4h08m29s
